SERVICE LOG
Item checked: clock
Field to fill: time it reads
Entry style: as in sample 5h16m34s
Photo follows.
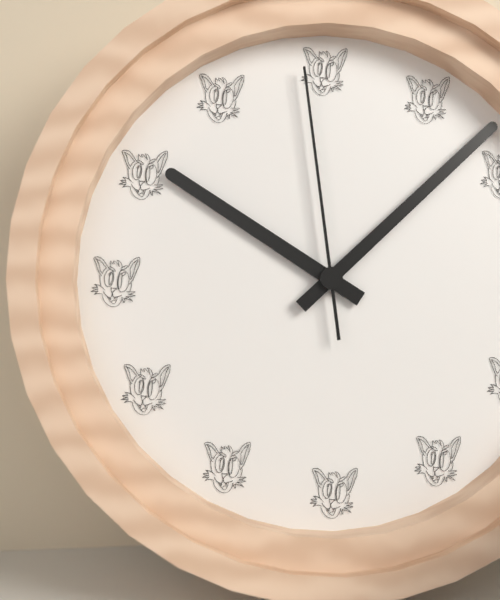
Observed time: 10h08m59s
